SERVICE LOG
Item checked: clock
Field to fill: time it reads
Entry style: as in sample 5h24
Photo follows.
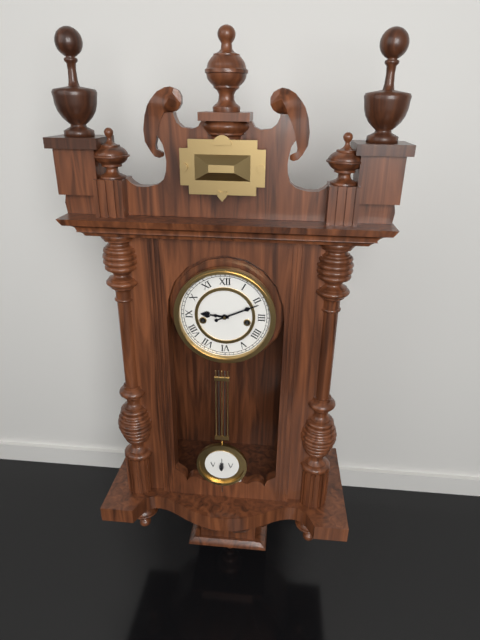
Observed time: 9h11
